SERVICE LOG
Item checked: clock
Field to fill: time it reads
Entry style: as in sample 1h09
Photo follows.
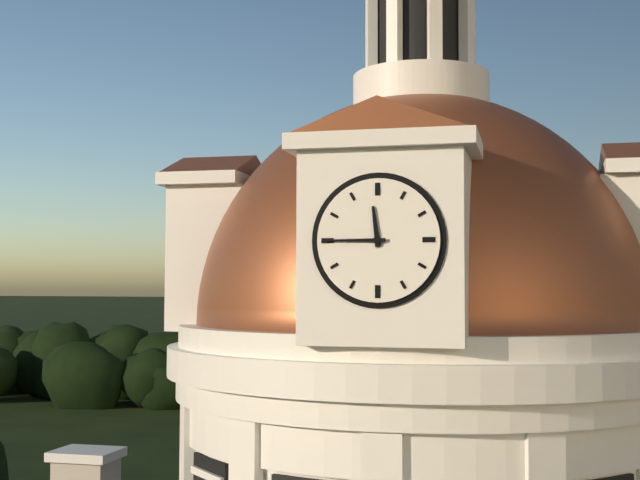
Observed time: 11h45
